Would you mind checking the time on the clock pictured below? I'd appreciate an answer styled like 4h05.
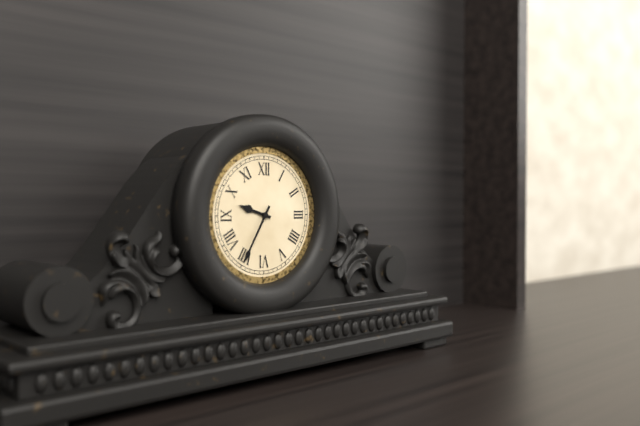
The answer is 9h35
